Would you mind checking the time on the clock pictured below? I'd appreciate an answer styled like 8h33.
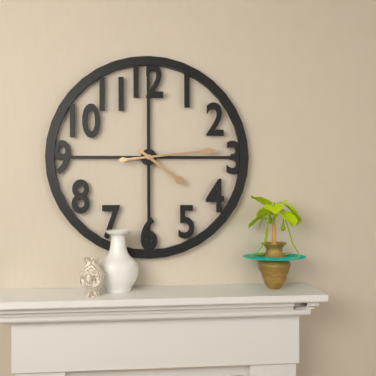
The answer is 4h14
